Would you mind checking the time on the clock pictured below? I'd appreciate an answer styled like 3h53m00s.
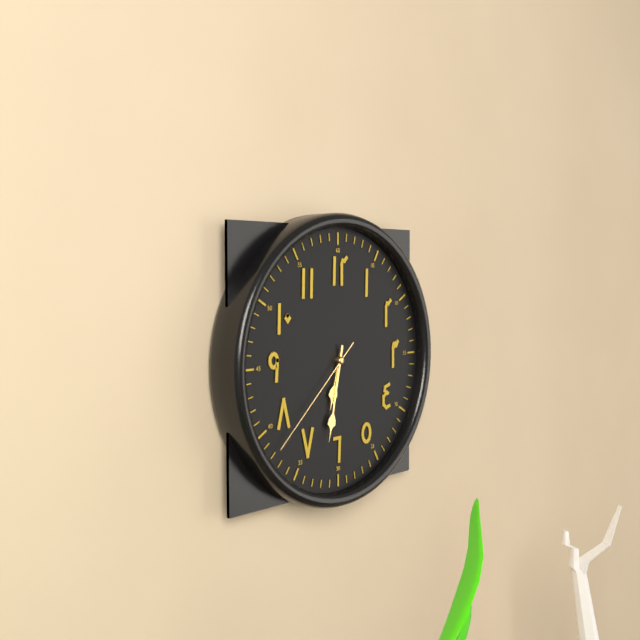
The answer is 6h32m38s
